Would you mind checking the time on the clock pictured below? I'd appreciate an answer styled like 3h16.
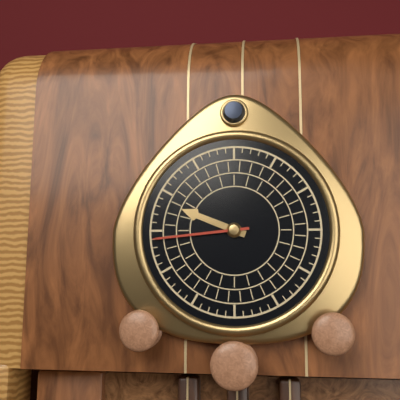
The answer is 9h44
